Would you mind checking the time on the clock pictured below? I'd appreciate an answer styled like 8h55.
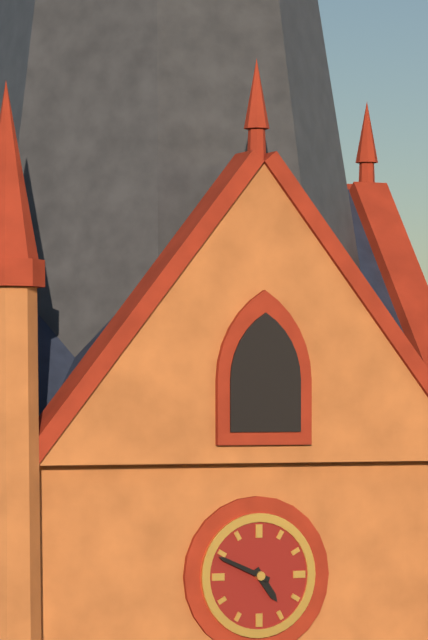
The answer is 4h49
